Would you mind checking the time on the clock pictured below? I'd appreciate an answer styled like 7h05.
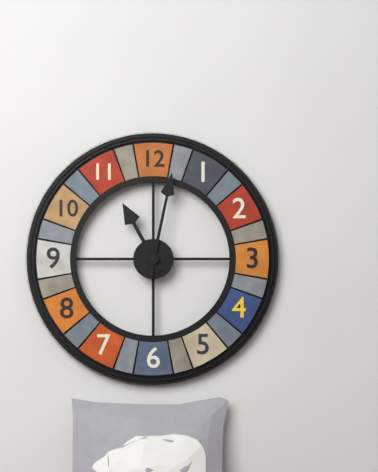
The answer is 11h02
